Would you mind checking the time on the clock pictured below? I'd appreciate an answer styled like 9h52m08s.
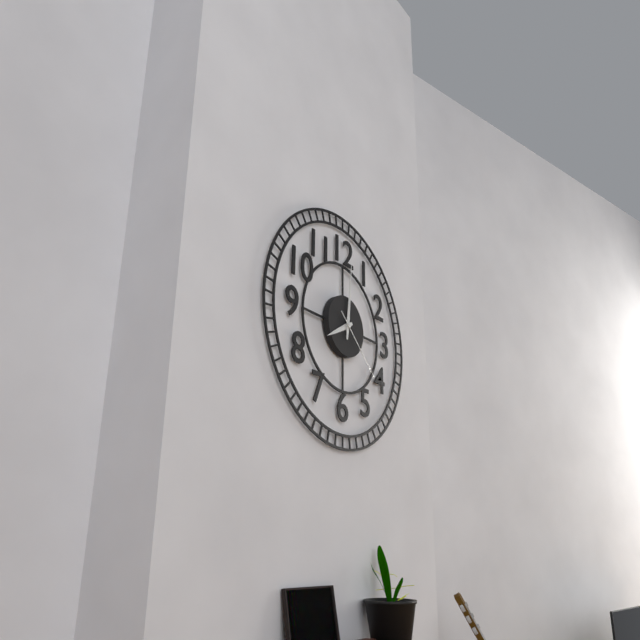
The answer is 8h01m22s
